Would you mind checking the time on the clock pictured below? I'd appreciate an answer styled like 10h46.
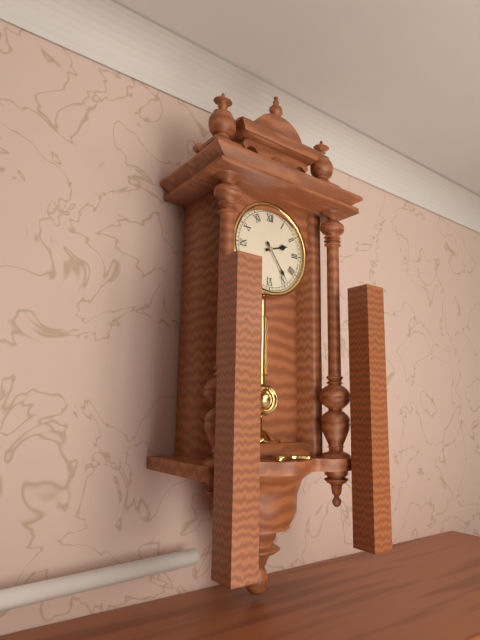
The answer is 2h24
